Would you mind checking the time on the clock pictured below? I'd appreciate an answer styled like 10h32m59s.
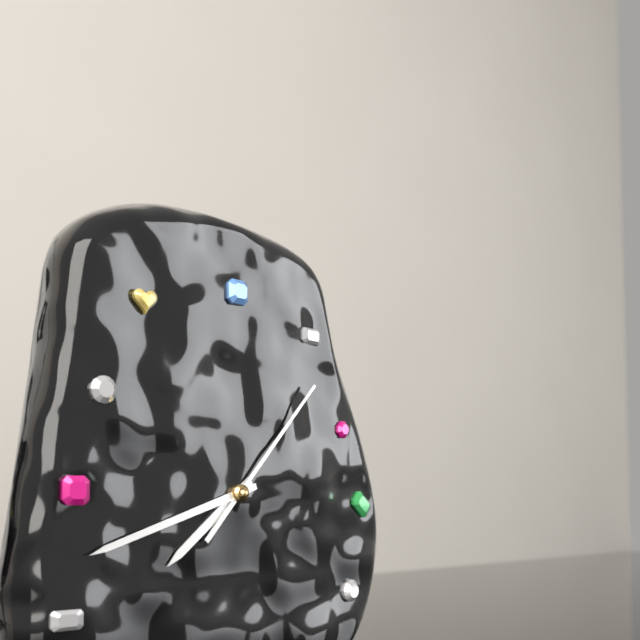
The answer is 7h42m07s
